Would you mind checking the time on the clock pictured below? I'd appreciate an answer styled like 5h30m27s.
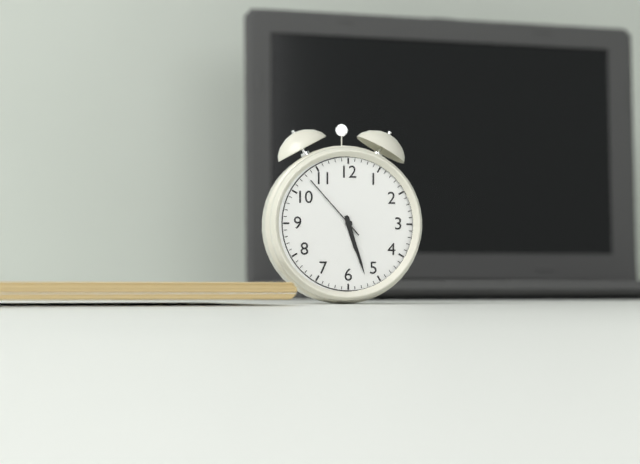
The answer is 5h27m53s
